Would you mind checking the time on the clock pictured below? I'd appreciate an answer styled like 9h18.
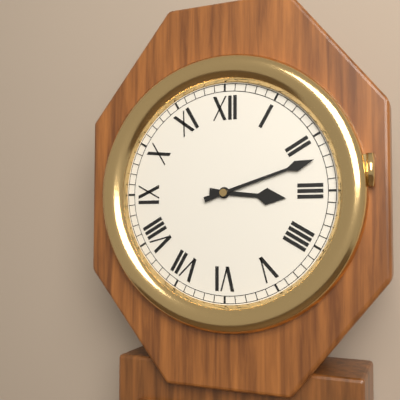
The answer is 3h12
